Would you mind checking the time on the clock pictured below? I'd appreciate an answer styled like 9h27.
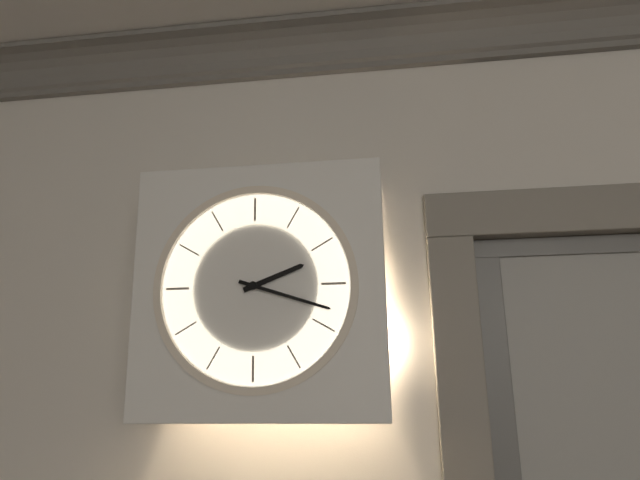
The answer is 2h18
